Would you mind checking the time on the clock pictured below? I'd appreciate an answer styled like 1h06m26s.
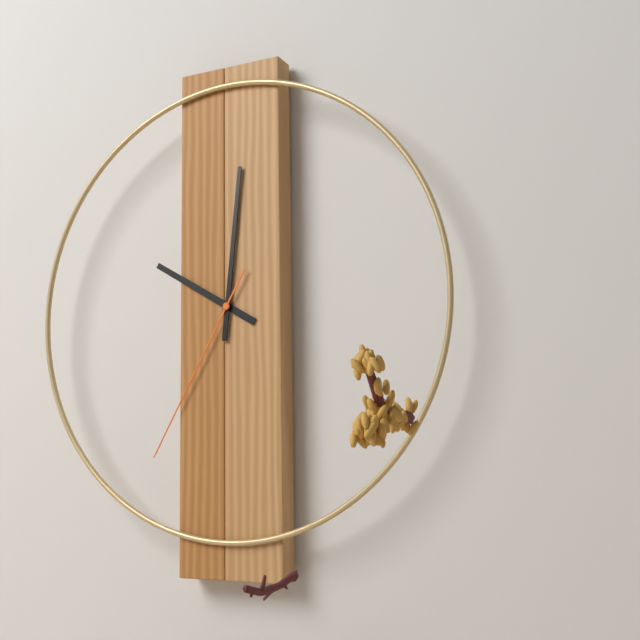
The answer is 10h01m35s
